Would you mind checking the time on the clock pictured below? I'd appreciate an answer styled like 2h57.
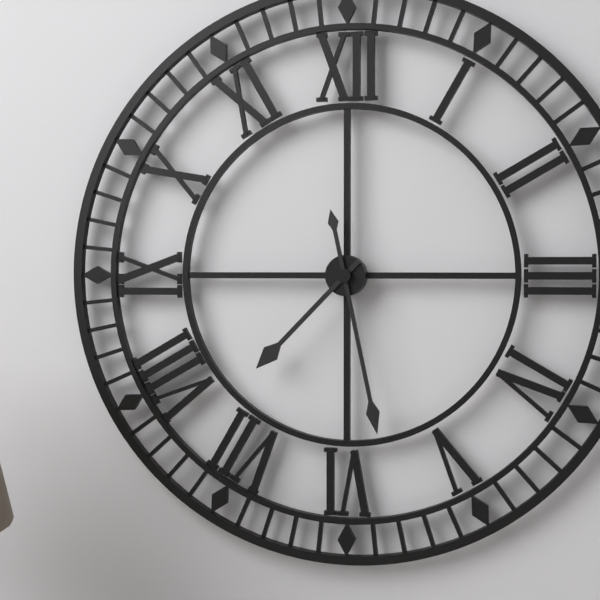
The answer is 7h28
